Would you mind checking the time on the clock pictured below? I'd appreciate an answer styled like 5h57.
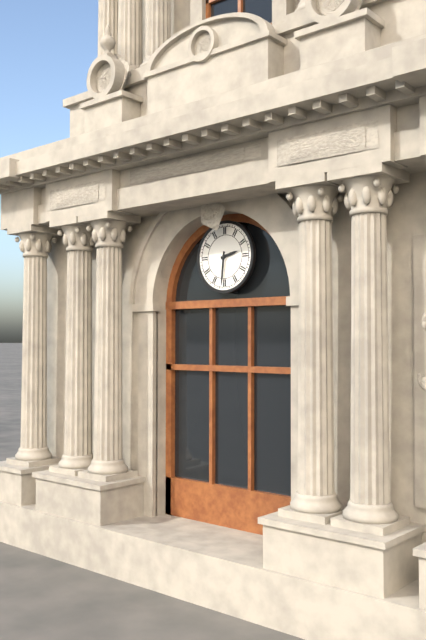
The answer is 2h31
